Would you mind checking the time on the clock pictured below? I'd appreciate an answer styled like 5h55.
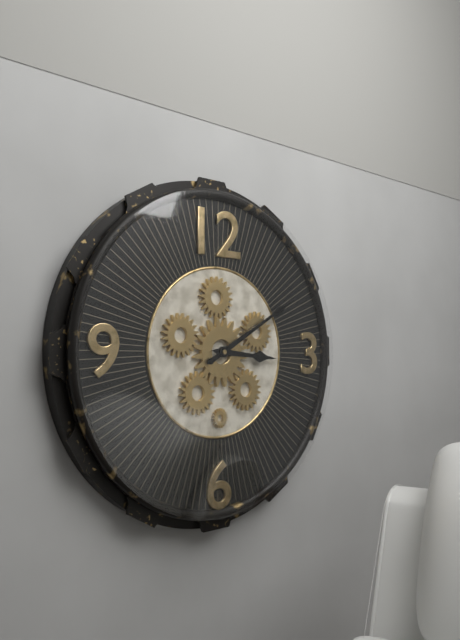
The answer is 3h10
